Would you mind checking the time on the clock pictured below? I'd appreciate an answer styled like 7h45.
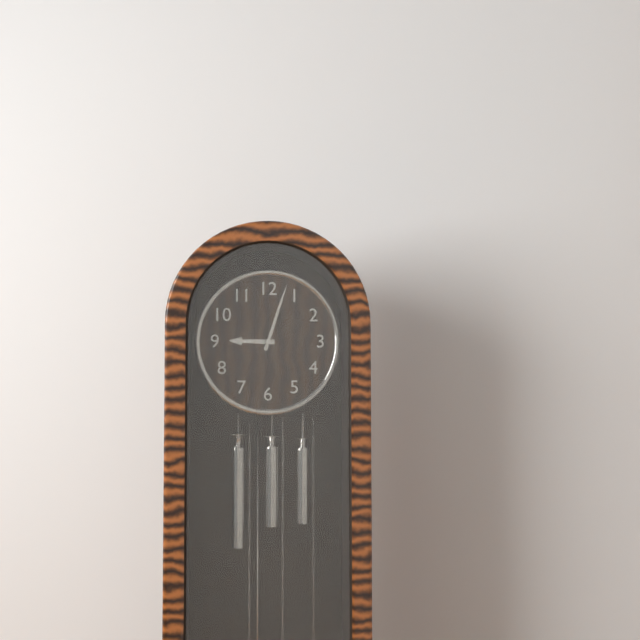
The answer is 9h03
